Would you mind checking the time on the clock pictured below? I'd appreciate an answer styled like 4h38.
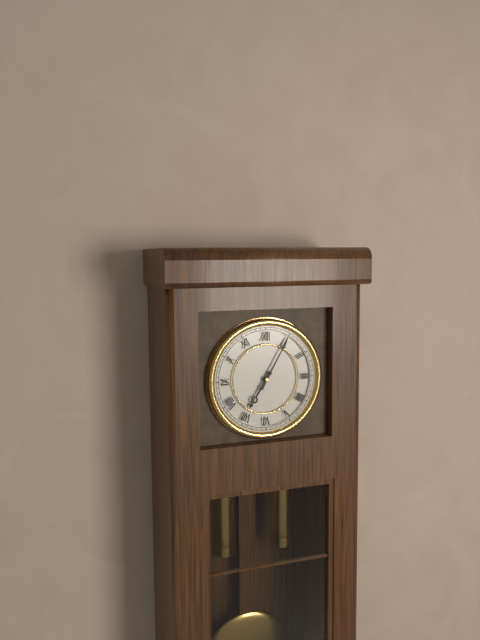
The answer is 7h05
